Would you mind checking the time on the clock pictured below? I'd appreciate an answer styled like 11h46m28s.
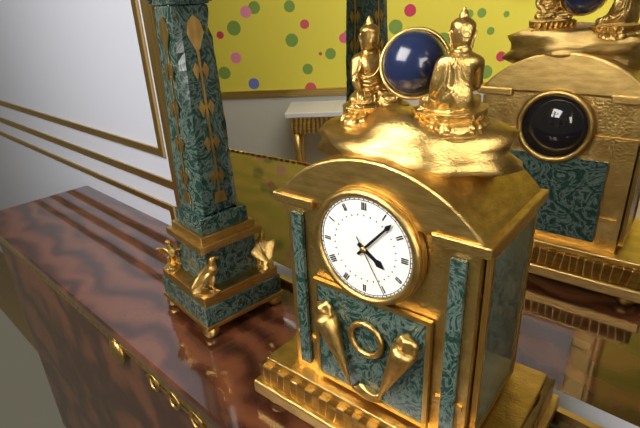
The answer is 4h07m25s
